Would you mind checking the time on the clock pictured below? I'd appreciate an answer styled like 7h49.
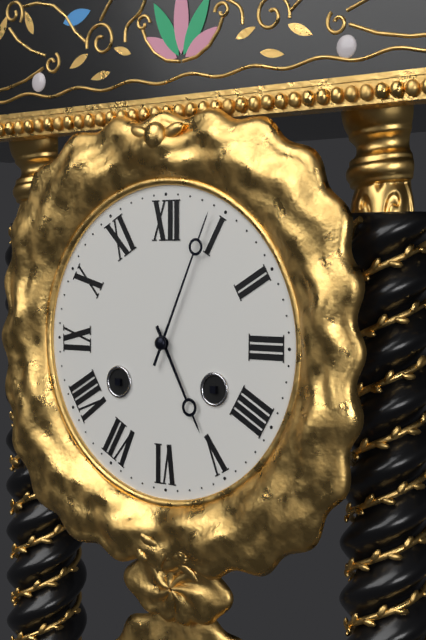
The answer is 5h04
